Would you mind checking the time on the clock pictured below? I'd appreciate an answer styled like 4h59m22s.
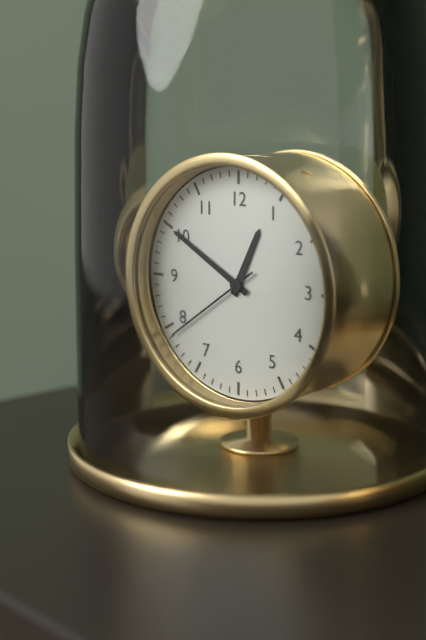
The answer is 12h50m39s
